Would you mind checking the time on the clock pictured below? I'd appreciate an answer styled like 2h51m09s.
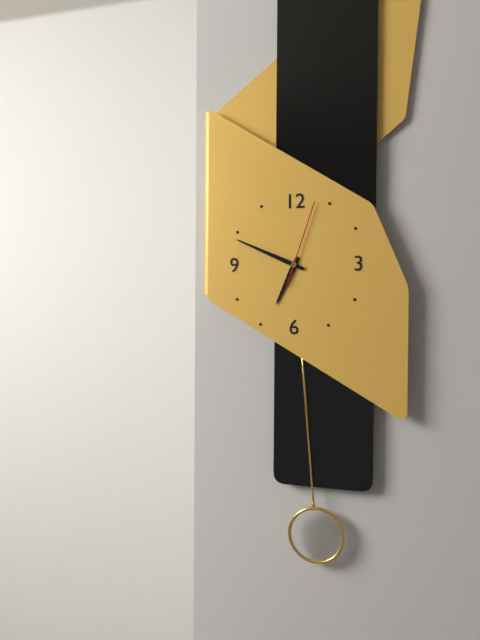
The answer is 6h49m03s
